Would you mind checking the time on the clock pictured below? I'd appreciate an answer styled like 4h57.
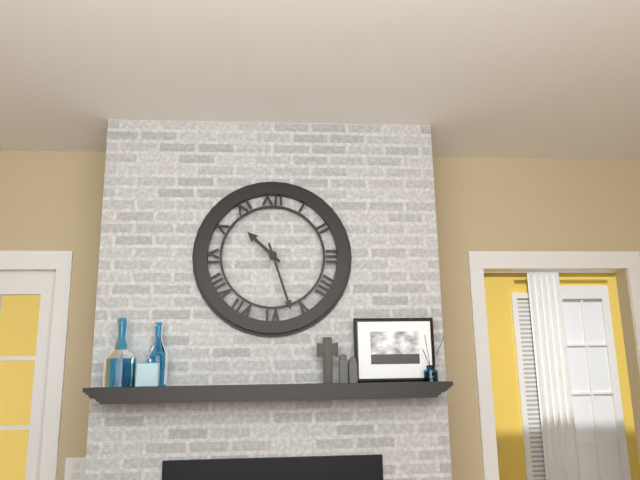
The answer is 10h27
